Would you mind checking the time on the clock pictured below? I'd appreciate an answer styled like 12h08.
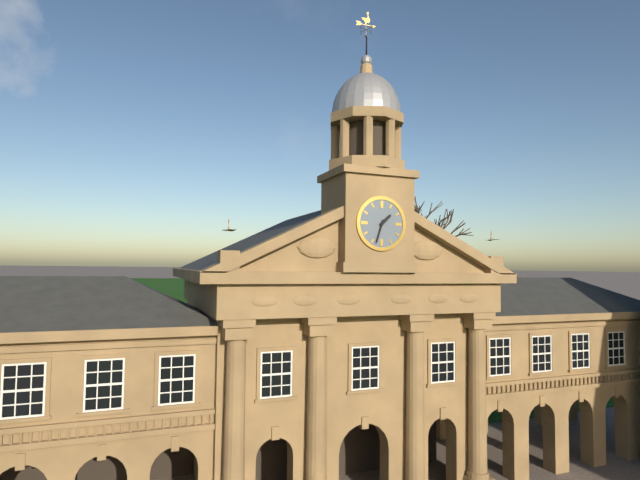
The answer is 1h33
